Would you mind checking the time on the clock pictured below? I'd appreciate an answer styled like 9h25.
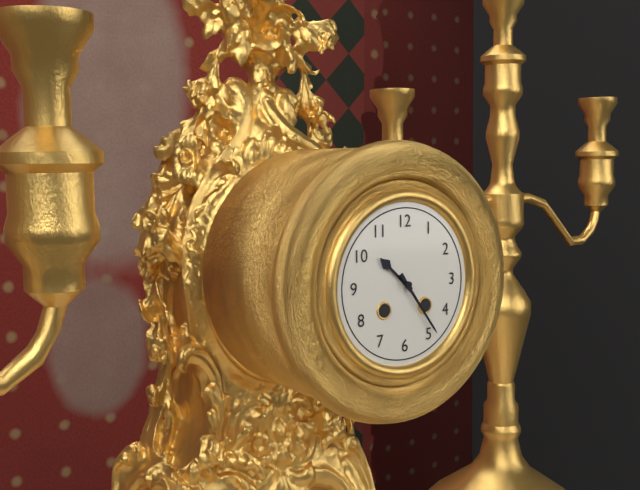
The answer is 10h24
